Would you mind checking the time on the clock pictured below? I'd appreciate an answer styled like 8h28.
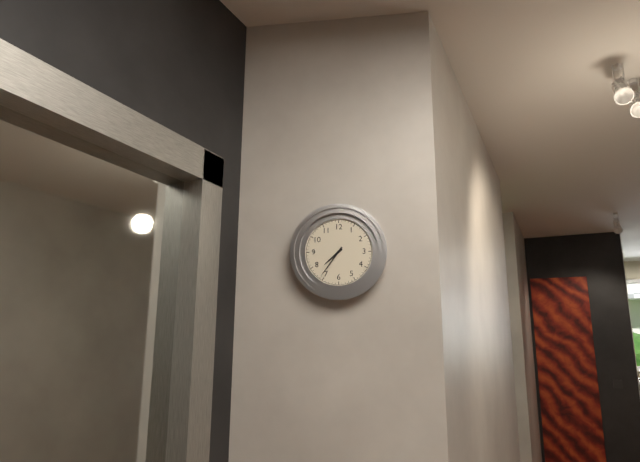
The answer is 7h36
